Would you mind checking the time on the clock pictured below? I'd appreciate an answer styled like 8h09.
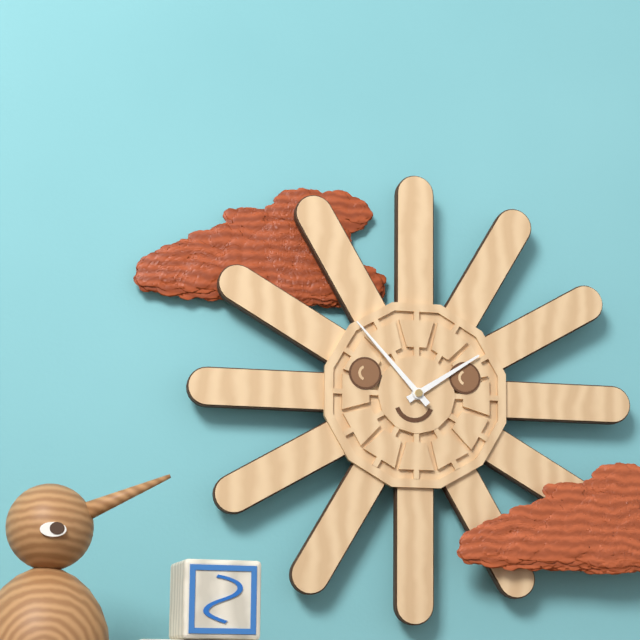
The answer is 1h53
